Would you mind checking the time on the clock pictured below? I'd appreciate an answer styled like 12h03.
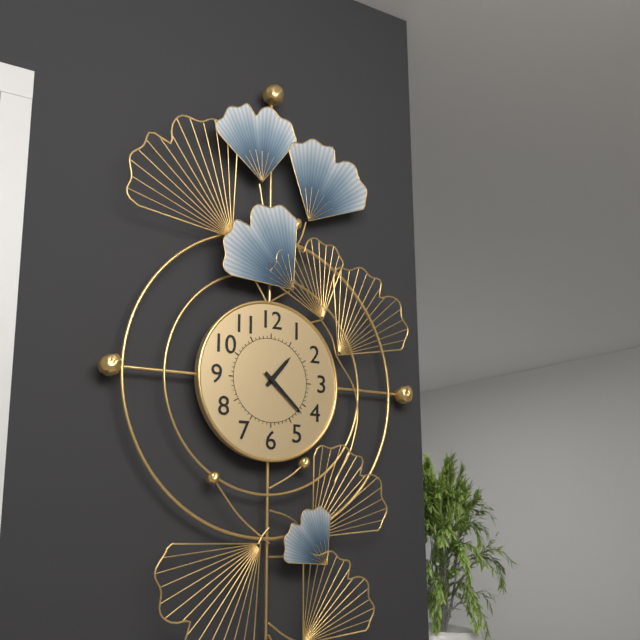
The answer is 1h22
